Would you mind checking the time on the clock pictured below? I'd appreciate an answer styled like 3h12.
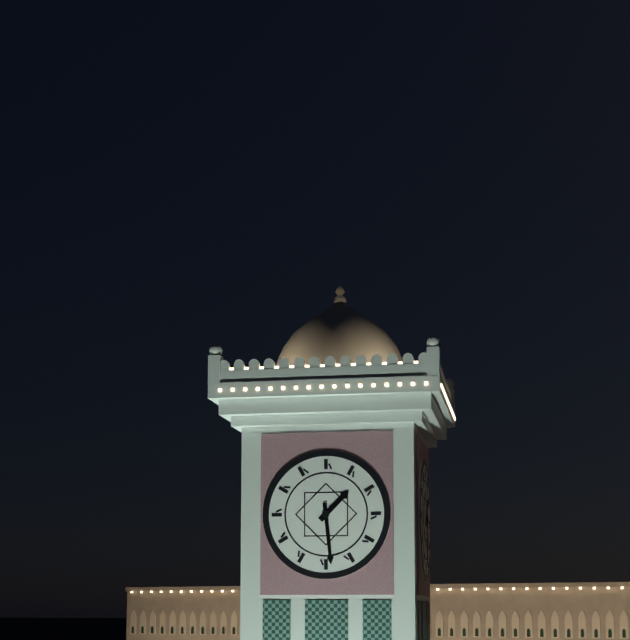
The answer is 1h29
